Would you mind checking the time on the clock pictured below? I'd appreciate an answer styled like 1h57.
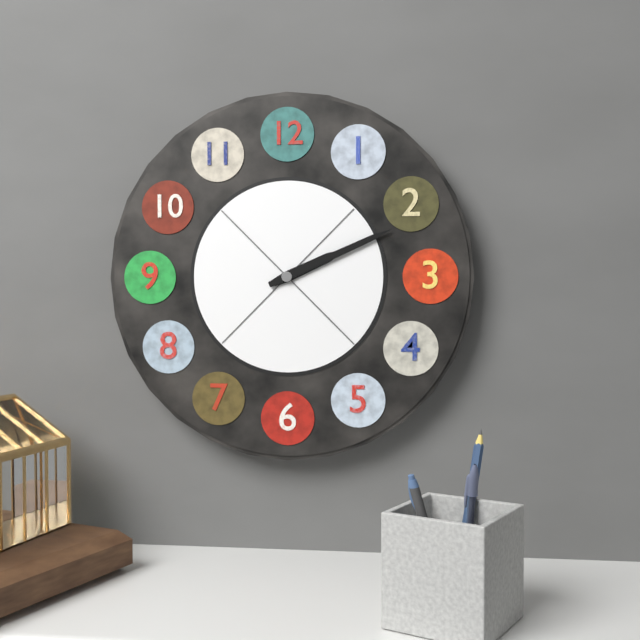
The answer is 2h11
